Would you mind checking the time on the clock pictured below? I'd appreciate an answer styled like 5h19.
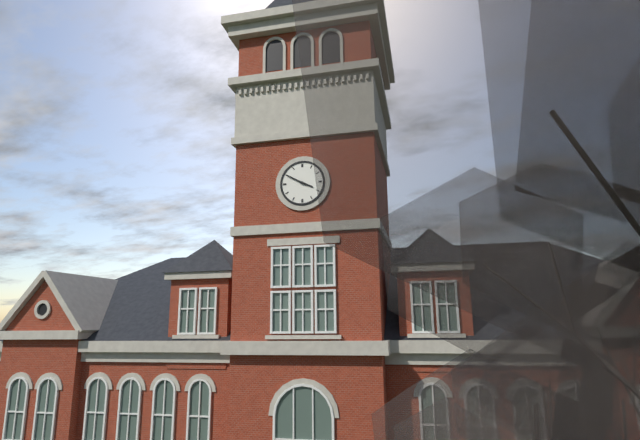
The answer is 3h50
